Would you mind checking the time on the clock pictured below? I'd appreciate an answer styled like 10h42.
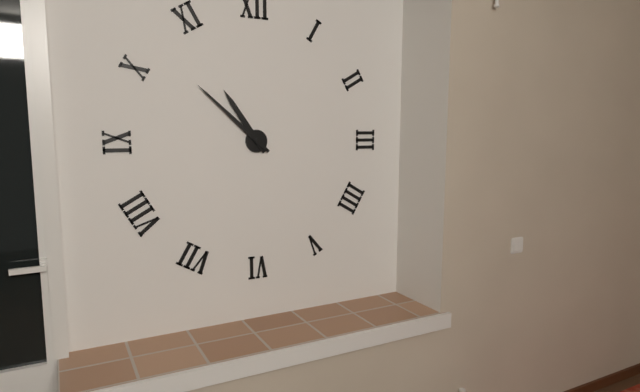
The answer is 10h52
